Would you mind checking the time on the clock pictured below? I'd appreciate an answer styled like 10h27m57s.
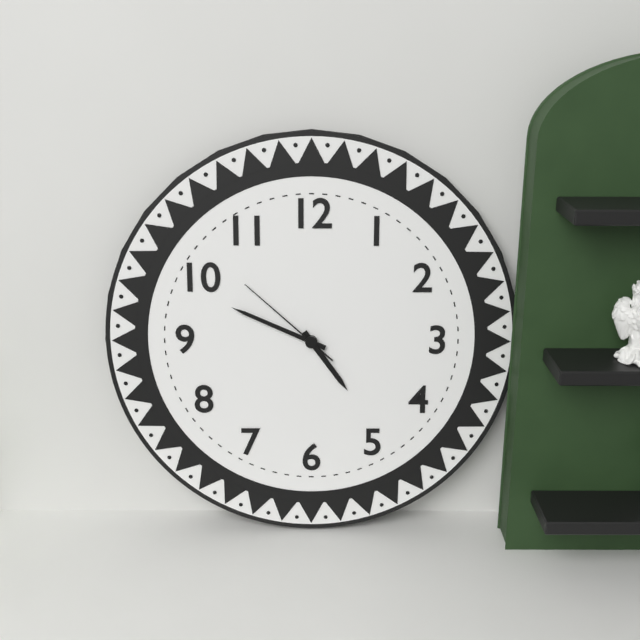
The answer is 4h49m52s
